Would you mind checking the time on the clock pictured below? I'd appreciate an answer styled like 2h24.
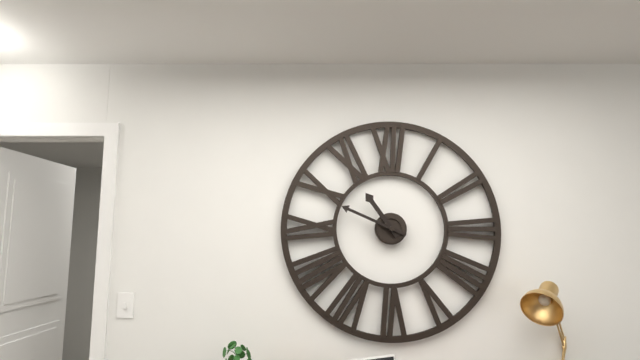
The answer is 10h49
